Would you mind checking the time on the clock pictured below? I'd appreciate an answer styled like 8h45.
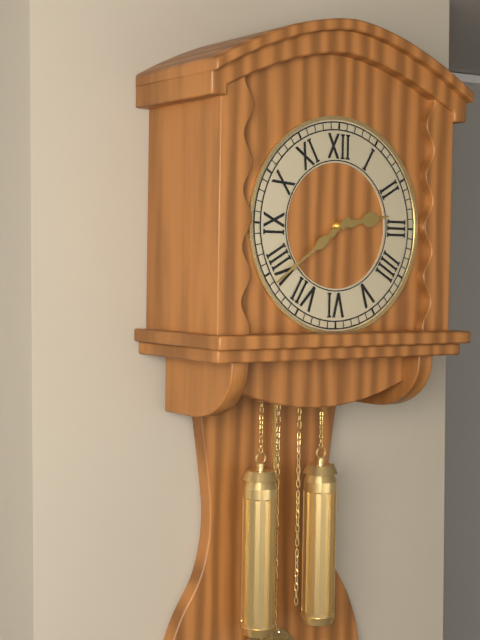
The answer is 2h39
